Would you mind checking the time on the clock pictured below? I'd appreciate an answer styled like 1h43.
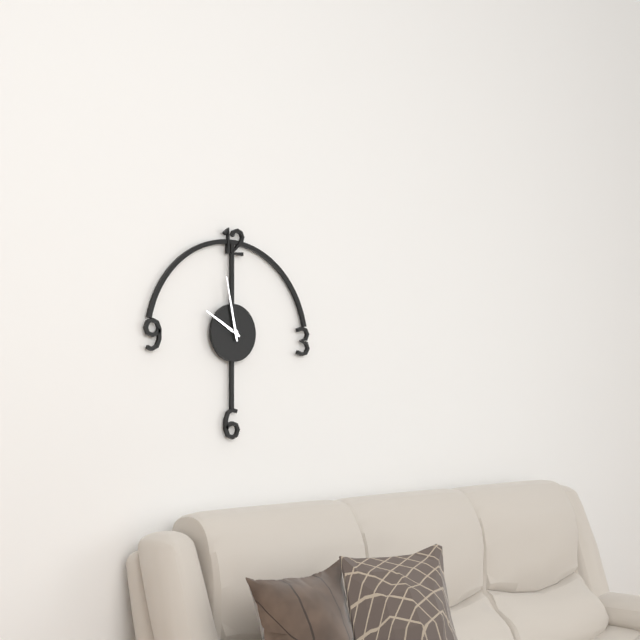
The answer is 9h58
